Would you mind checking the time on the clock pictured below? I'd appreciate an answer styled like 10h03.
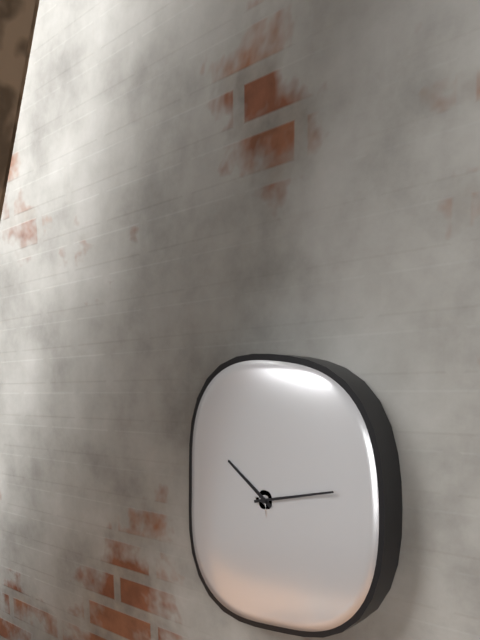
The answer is 10h13
